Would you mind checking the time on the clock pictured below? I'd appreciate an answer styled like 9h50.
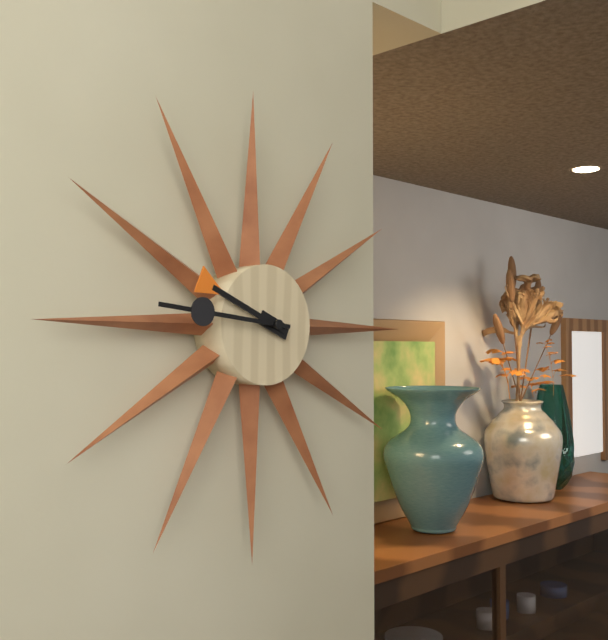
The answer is 9h46
